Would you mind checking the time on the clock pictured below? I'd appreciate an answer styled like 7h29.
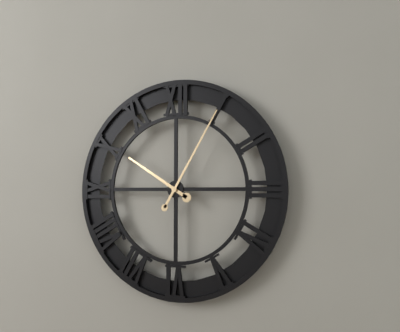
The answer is 10h05
